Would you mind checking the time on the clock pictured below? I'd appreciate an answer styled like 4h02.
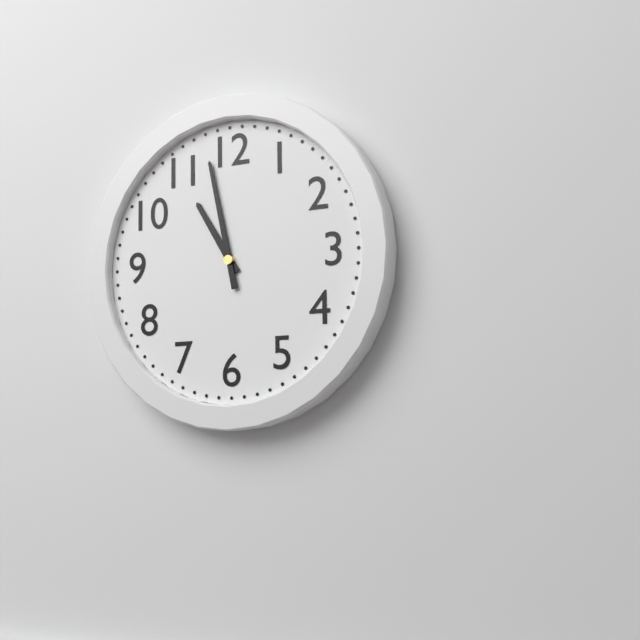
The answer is 10h58
